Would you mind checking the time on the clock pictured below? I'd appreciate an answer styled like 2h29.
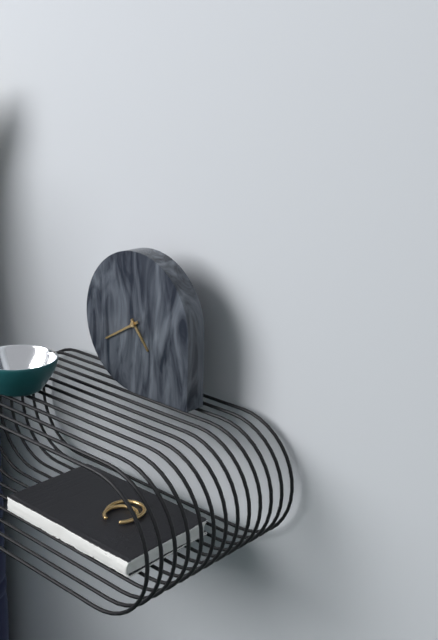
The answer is 4h40
